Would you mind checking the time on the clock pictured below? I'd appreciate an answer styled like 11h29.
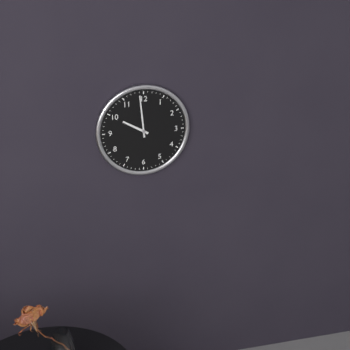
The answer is 9h59
